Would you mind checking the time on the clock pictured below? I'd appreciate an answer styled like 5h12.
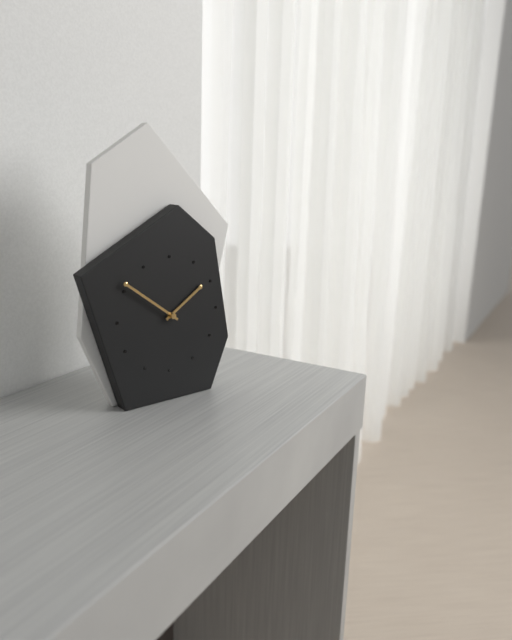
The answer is 1h51
